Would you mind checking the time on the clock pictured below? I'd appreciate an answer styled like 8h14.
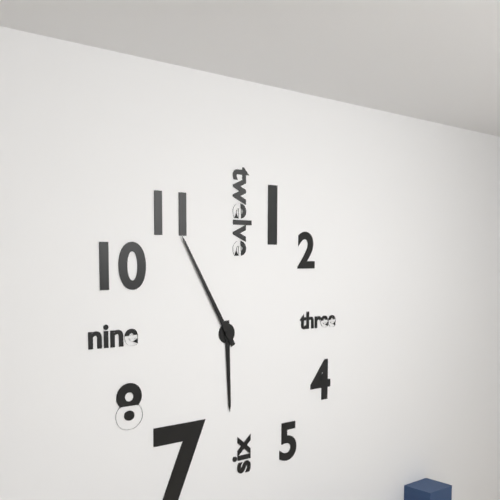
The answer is 5h55
